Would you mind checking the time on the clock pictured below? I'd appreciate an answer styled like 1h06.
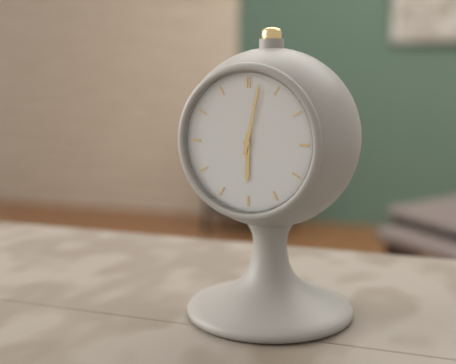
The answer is 6h02
